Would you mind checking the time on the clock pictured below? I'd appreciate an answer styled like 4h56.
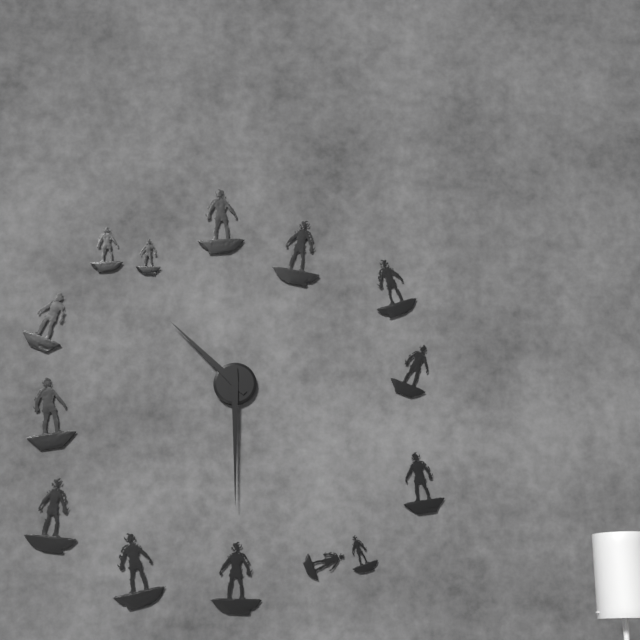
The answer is 10h30
